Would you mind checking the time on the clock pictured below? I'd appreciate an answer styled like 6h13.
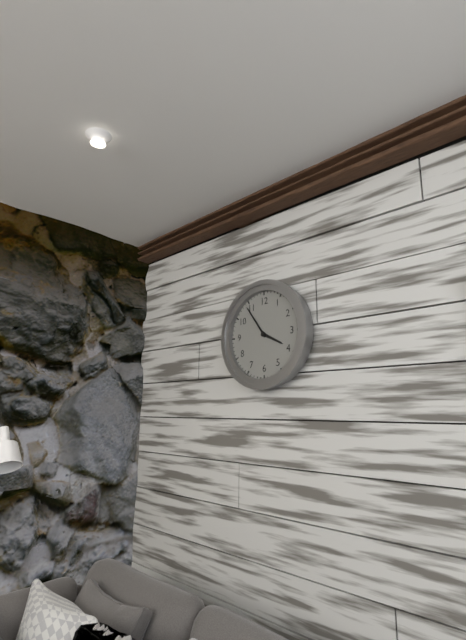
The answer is 3h54
